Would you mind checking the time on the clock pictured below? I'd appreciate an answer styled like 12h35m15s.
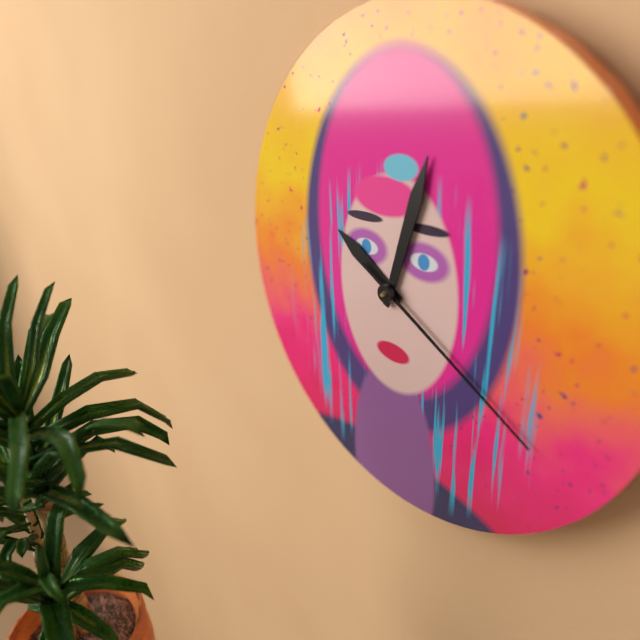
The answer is 10h03m20s
